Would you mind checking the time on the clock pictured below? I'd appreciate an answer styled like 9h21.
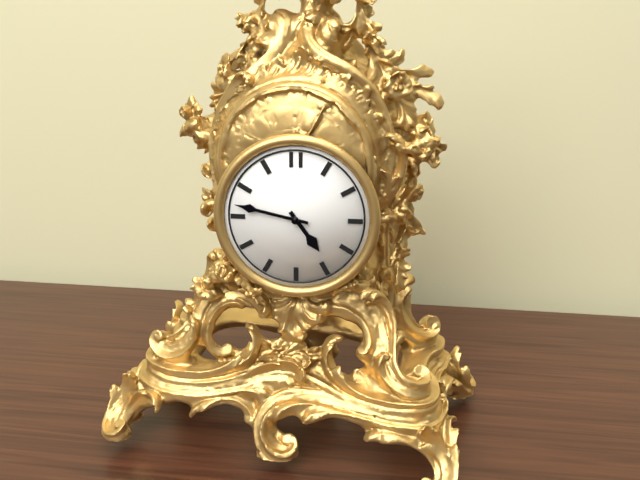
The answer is 4h47
